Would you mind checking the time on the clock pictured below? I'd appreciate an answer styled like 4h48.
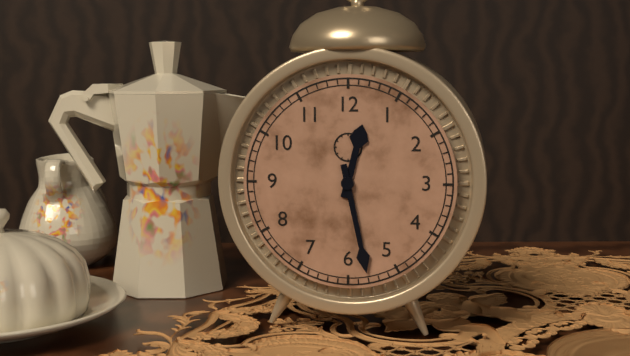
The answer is 12h28
